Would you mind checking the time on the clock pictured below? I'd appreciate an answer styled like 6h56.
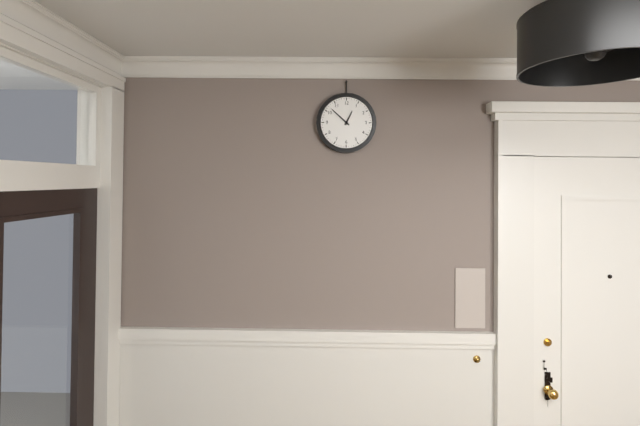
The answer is 12h52
